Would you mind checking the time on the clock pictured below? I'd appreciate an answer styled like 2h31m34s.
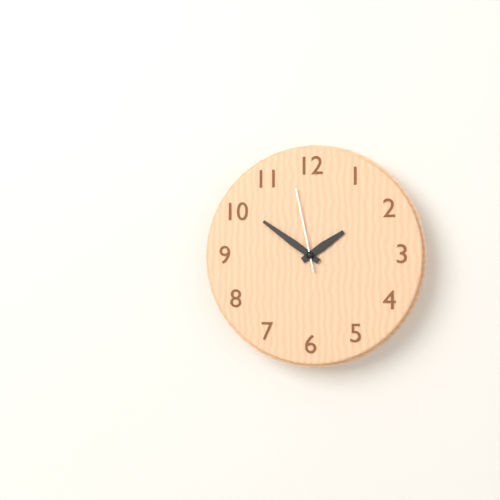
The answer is 1h51m58s
